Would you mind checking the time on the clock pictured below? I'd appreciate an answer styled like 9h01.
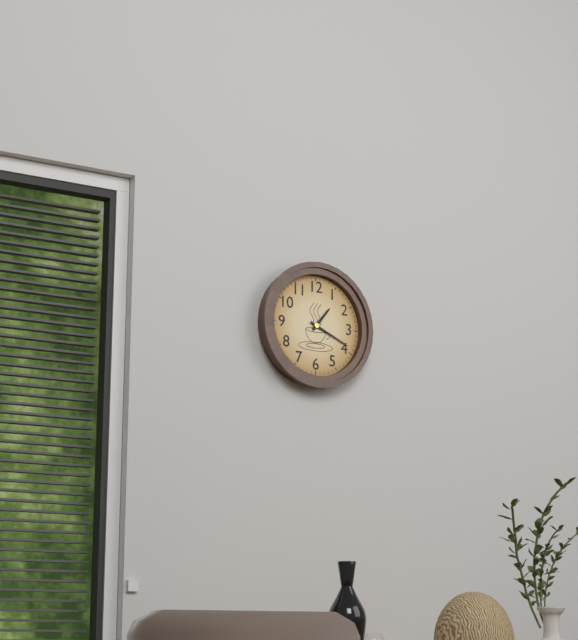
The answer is 1h19
